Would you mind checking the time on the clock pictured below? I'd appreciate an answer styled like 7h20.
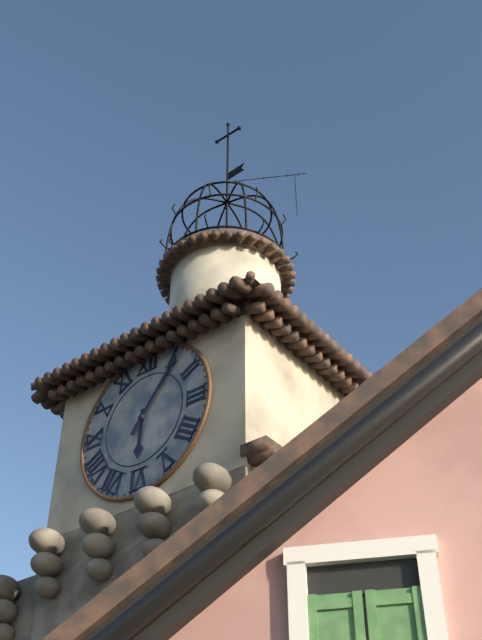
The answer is 6h06
